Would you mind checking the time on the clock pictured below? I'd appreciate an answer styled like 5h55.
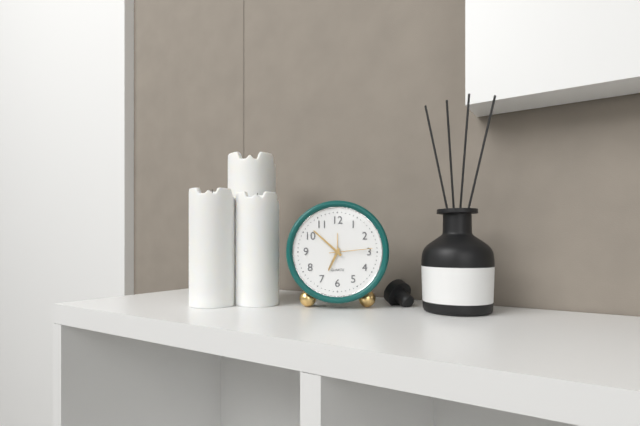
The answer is 6h52
